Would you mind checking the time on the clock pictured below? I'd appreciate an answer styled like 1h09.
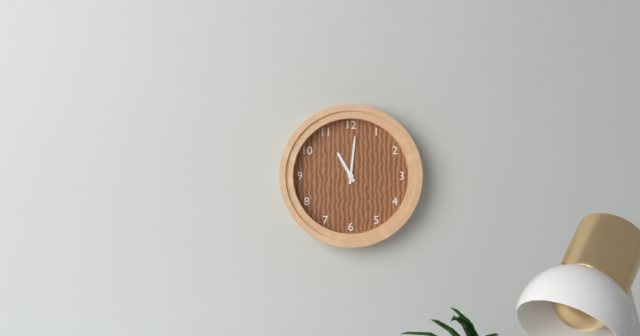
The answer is 11h01
